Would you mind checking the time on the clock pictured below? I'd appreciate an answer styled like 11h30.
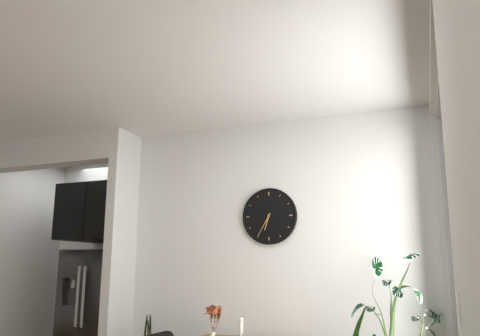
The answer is 6h35
